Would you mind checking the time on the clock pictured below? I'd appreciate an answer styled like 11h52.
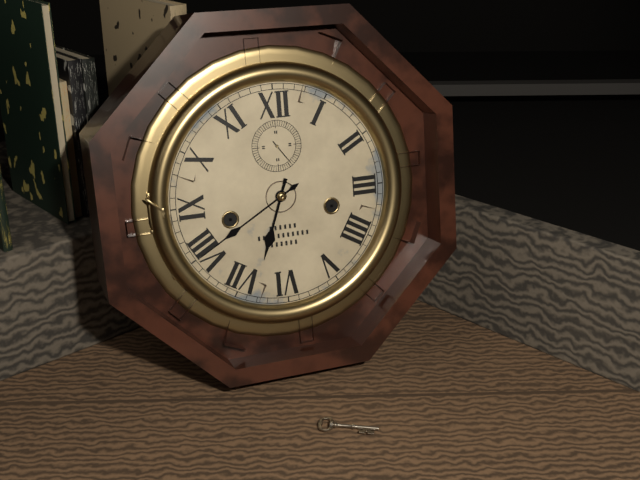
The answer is 6h40
